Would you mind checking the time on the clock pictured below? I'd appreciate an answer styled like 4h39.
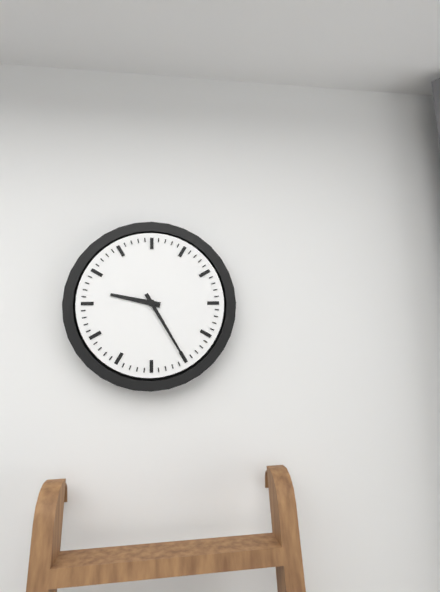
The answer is 9h25
